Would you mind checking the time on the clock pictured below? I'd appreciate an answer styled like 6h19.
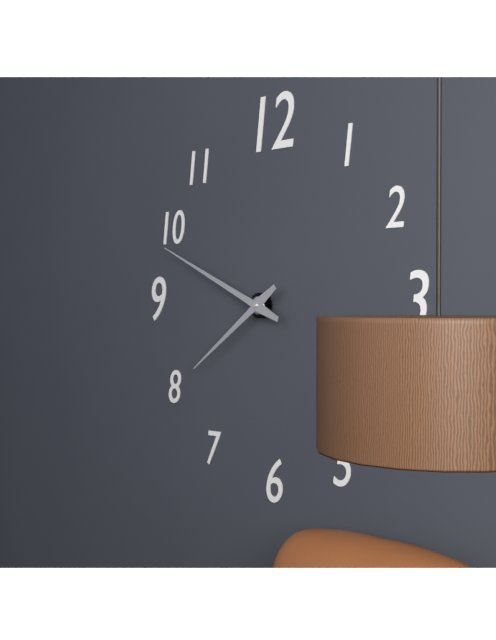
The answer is 7h49
